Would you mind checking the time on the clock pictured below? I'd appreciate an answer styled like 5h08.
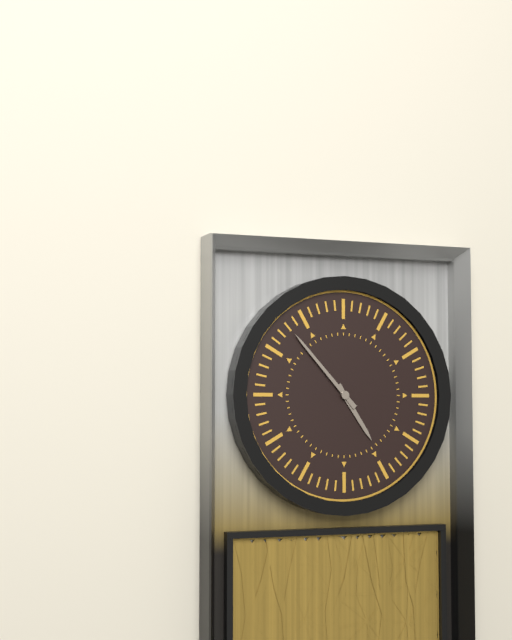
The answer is 4h53
